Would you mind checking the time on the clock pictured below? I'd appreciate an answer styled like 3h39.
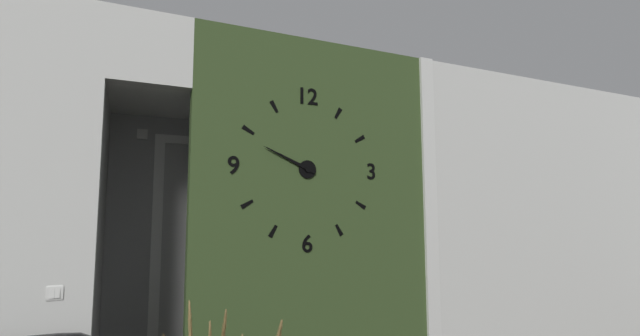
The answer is 9h49
